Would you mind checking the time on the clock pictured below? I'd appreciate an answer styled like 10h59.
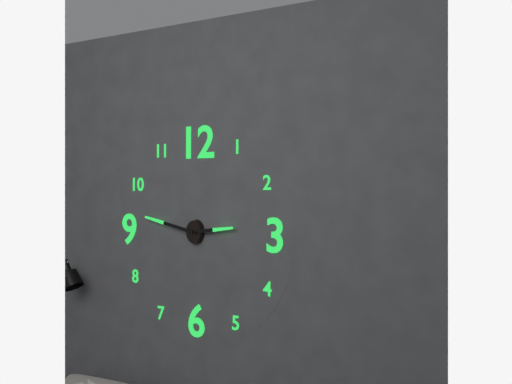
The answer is 2h47
